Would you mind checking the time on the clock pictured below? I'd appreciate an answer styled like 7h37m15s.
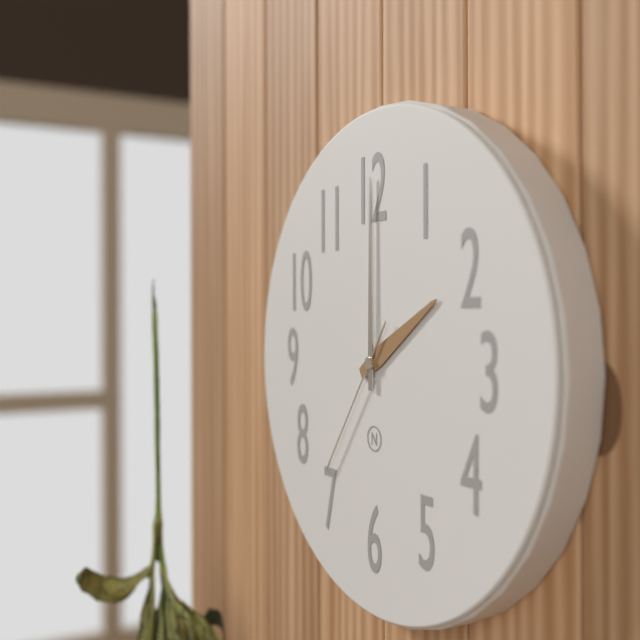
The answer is 2h00m36s
